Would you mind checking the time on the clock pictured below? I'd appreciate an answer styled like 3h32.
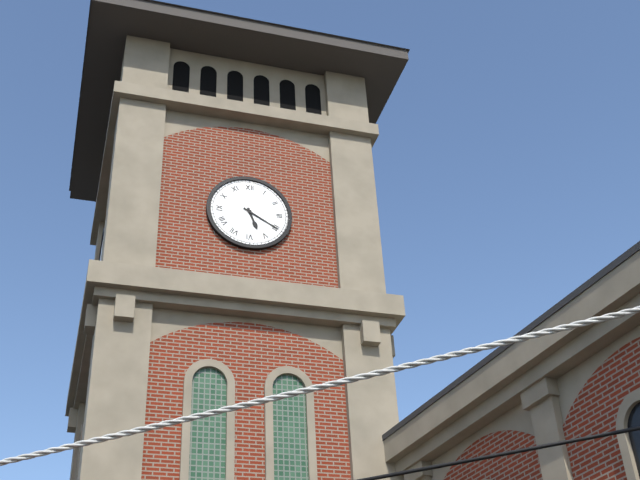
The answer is 5h20
